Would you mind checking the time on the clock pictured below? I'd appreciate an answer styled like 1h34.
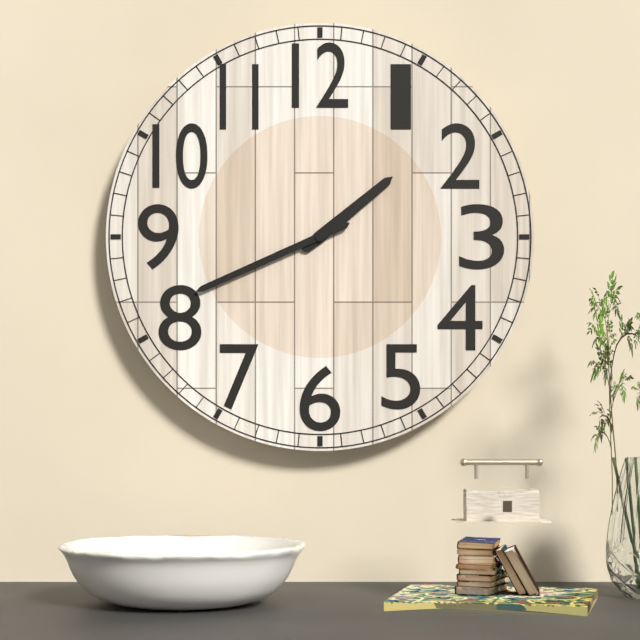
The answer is 1h41
